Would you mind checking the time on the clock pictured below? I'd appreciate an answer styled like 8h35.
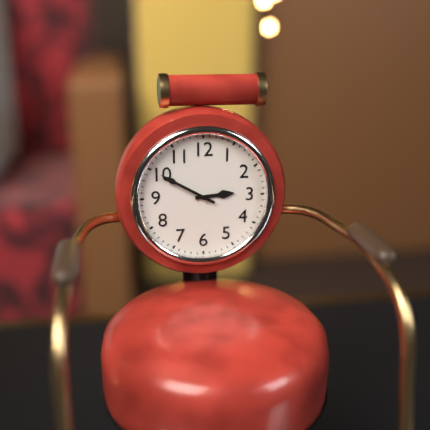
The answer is 2h50
